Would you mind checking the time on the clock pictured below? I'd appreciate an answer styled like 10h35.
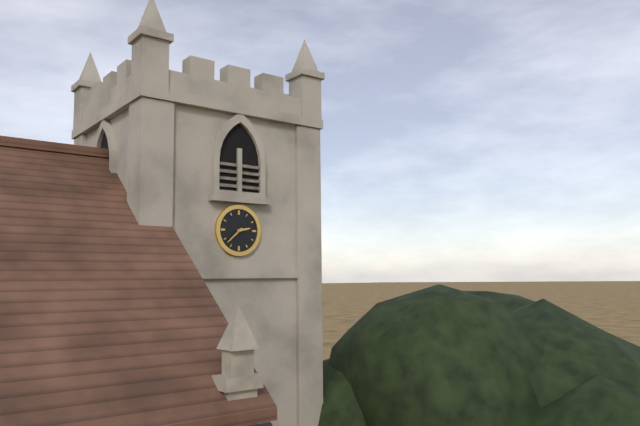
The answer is 2h38
